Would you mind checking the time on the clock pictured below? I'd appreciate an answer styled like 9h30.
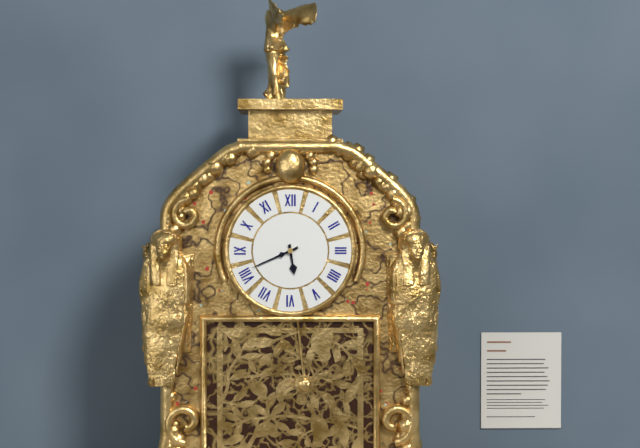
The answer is 5h41
